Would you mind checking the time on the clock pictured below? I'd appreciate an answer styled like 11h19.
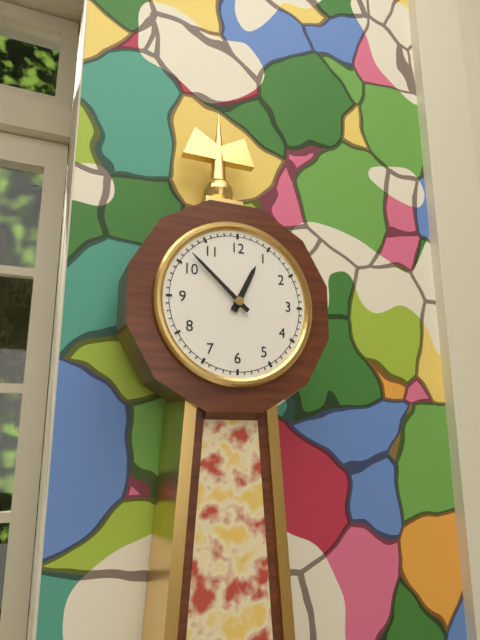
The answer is 12h52
